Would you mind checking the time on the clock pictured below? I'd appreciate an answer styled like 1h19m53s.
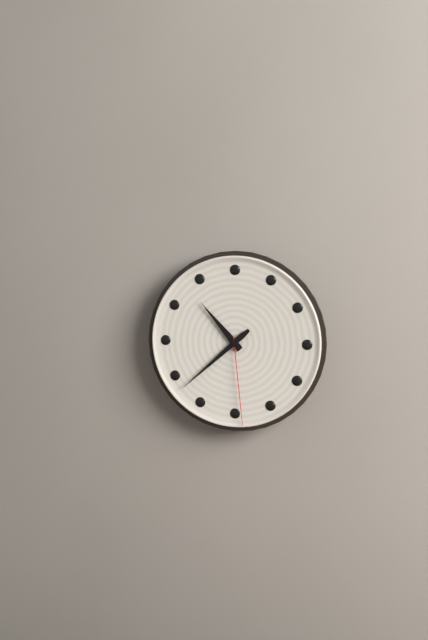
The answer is 10h38m29s
